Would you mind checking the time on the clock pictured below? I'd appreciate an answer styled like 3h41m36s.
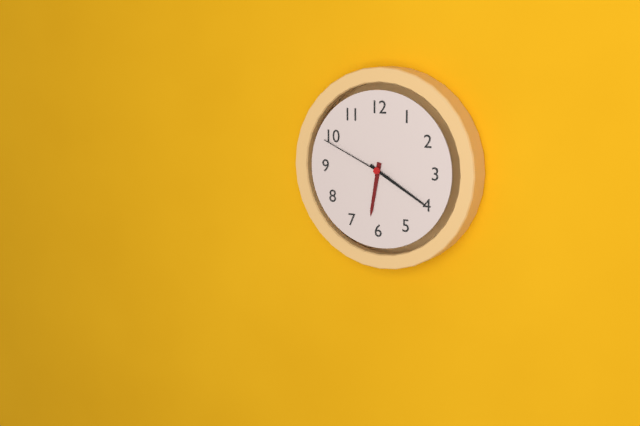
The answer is 6h20m49s
